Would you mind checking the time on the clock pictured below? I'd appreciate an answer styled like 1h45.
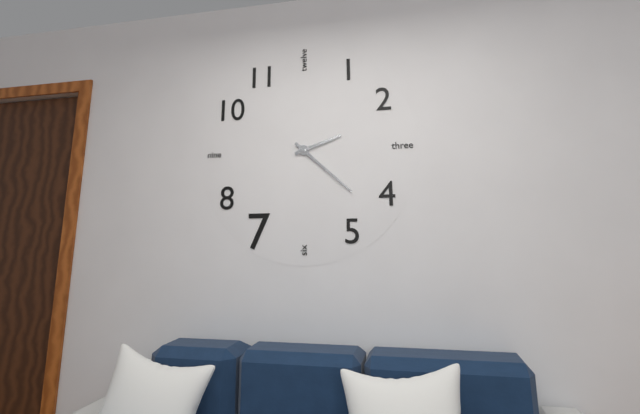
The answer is 2h22
